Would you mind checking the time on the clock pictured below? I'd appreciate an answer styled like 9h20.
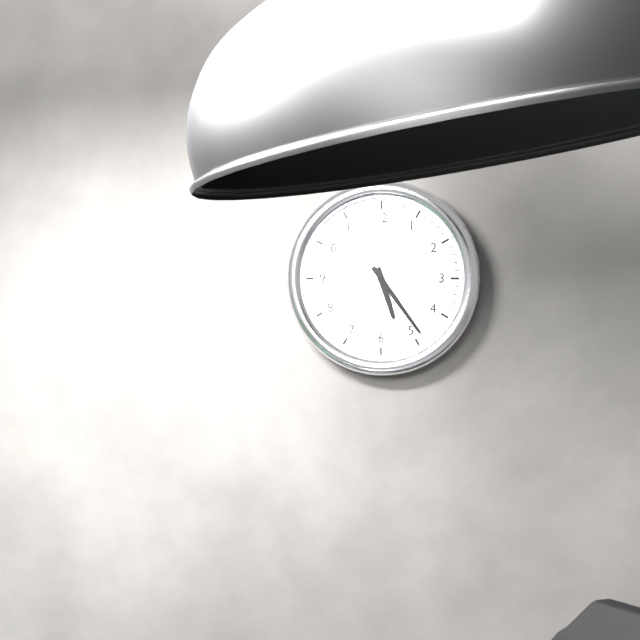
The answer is 5h24
